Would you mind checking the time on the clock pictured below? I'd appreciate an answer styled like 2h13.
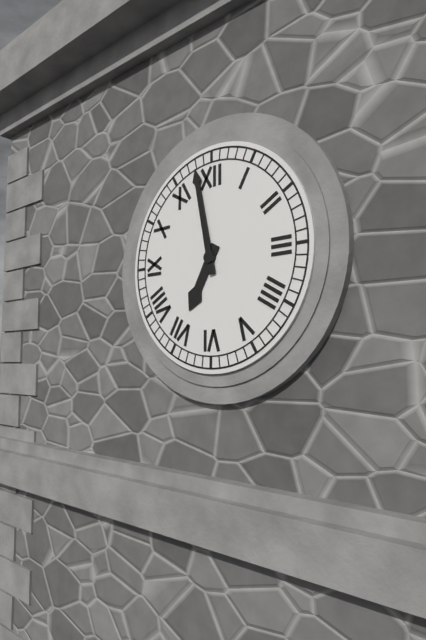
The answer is 6h58
